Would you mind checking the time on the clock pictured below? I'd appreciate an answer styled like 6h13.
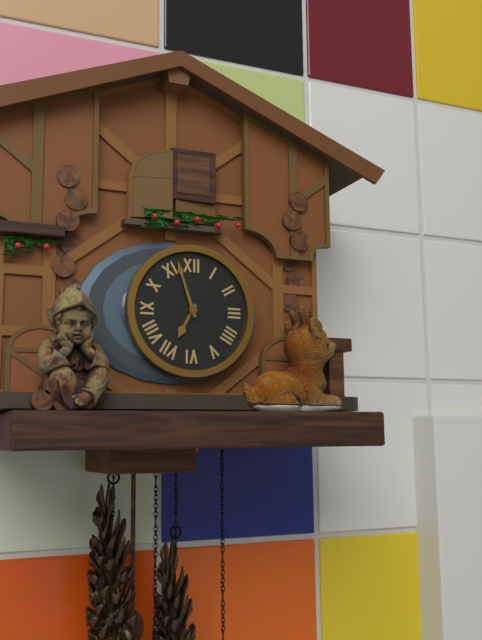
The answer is 6h57
